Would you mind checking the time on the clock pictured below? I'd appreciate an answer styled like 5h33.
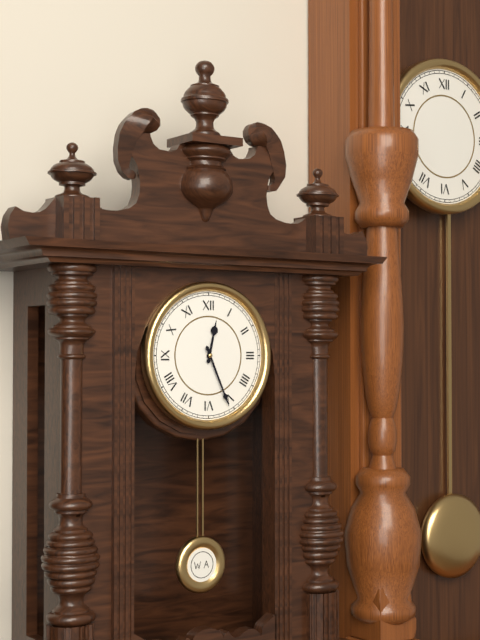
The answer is 12h26
